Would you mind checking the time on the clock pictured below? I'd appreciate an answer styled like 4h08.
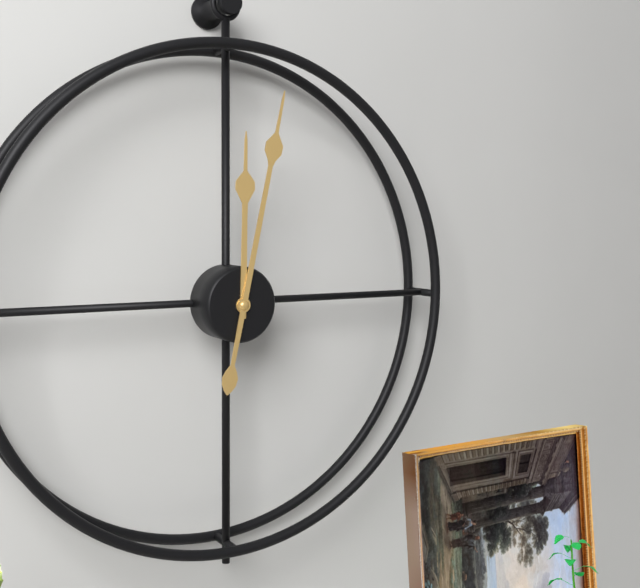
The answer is 12h02
